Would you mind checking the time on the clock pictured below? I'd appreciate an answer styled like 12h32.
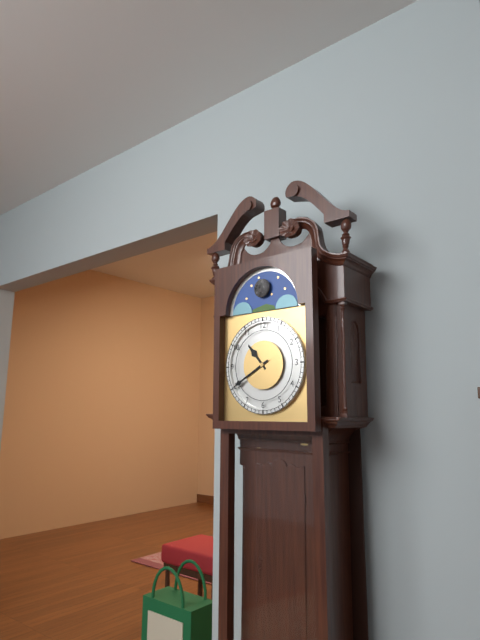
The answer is 10h40
